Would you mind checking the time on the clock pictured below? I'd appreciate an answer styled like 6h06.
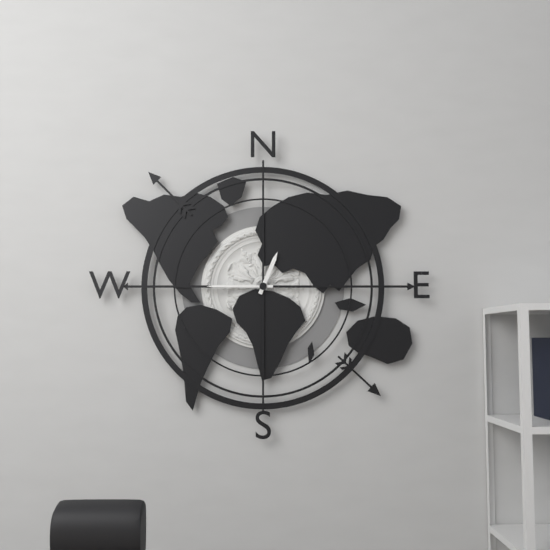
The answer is 12h45
